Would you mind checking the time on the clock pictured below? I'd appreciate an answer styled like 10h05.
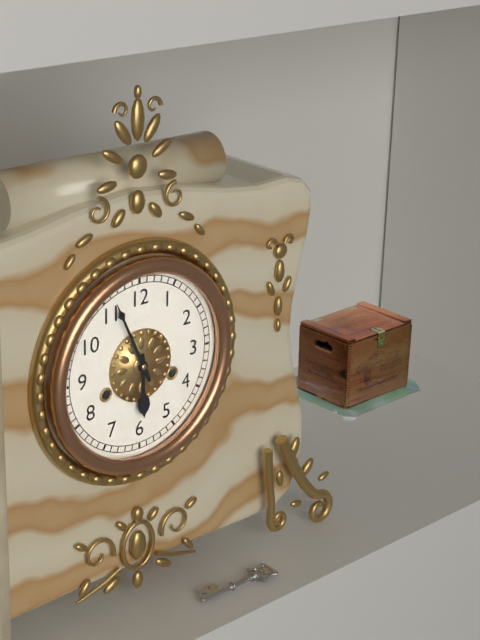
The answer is 5h56
